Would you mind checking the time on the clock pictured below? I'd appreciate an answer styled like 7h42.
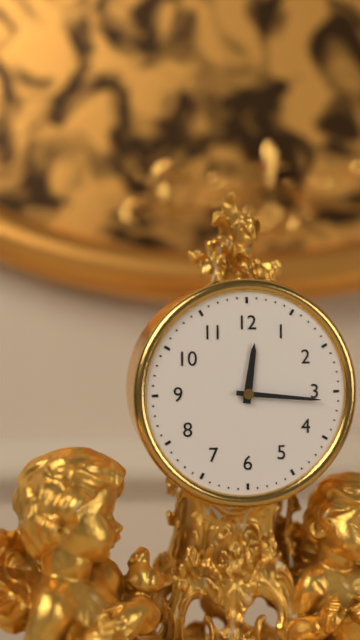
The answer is 12h16
